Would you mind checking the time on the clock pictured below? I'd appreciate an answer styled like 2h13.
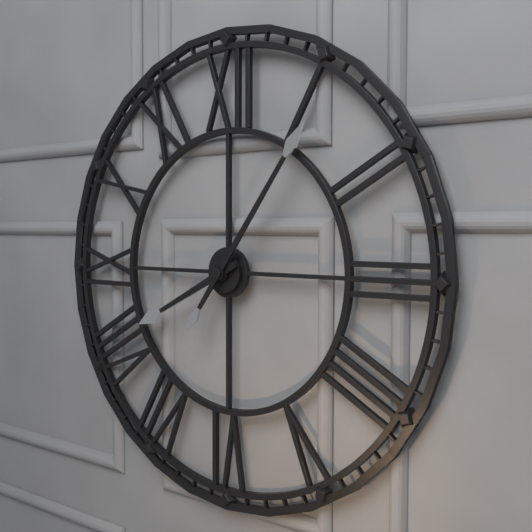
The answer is 8h06
